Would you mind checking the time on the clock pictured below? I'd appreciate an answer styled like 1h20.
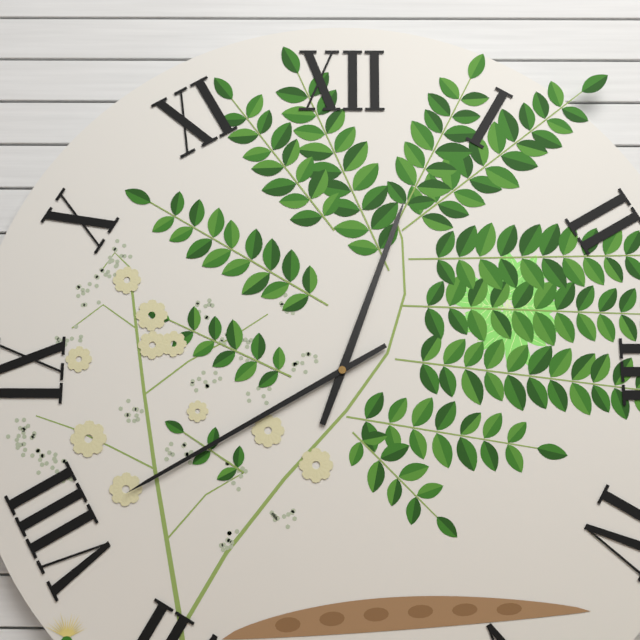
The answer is 12h40
